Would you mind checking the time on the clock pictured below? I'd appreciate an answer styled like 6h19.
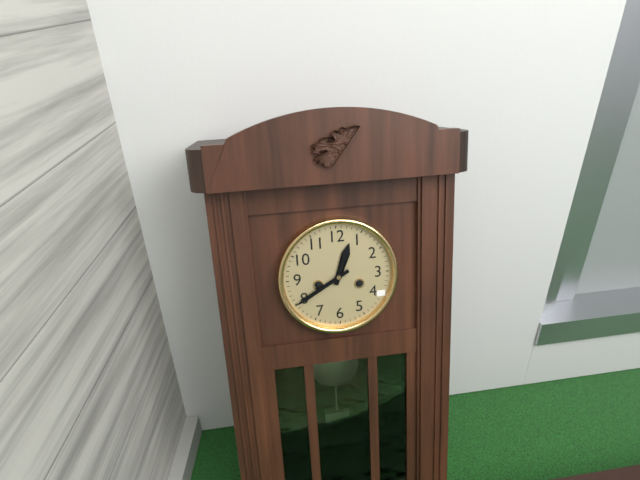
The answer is 12h40
